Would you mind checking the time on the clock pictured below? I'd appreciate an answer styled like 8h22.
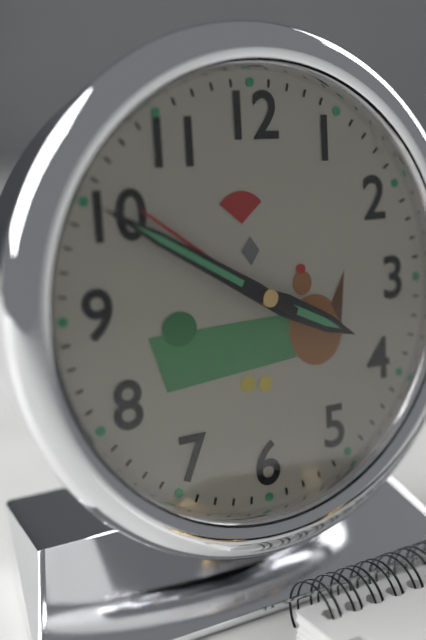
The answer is 3h50
